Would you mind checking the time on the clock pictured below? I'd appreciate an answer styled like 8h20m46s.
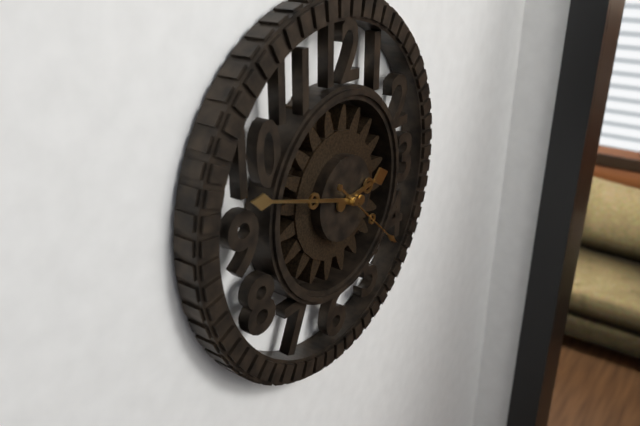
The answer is 2h48m22s
